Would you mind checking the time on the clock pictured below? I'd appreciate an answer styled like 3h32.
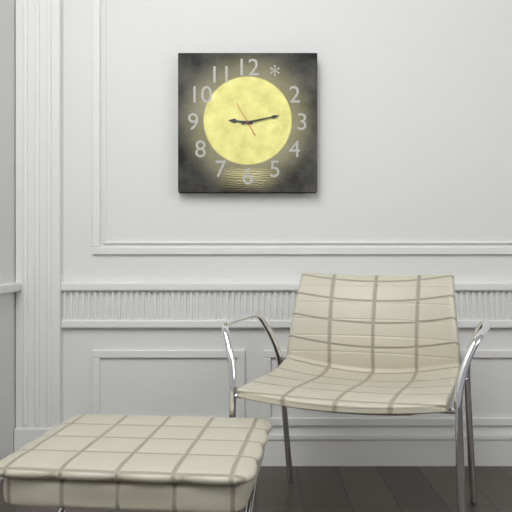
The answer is 9h13
